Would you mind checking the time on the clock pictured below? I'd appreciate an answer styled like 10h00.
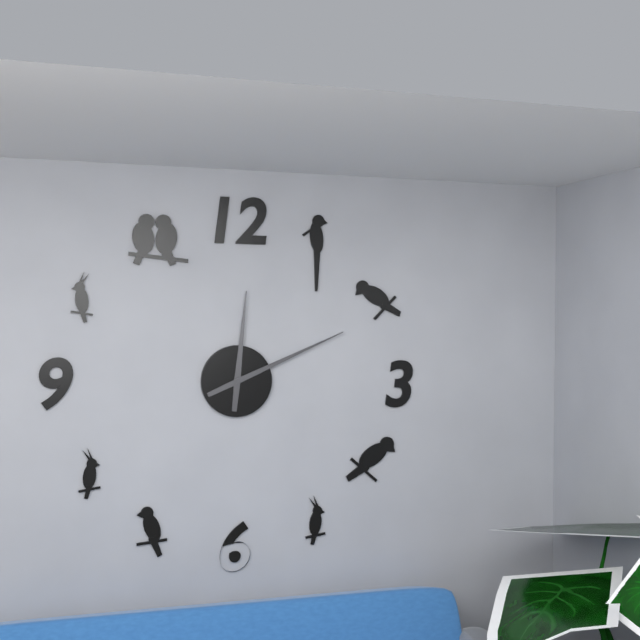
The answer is 12h11
